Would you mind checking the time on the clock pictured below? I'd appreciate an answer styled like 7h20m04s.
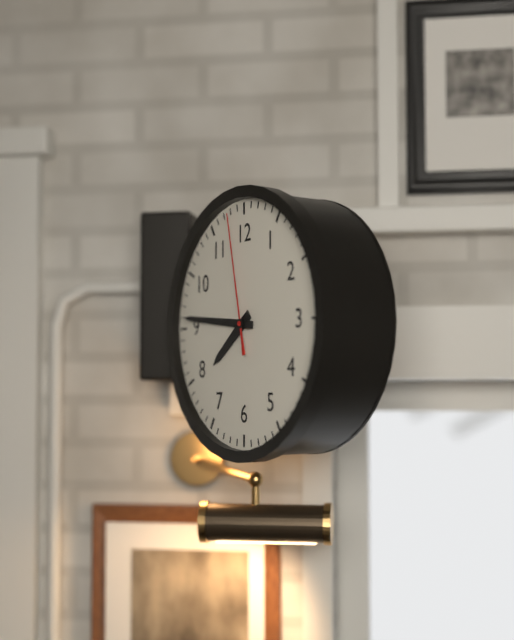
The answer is 7h46m58s
